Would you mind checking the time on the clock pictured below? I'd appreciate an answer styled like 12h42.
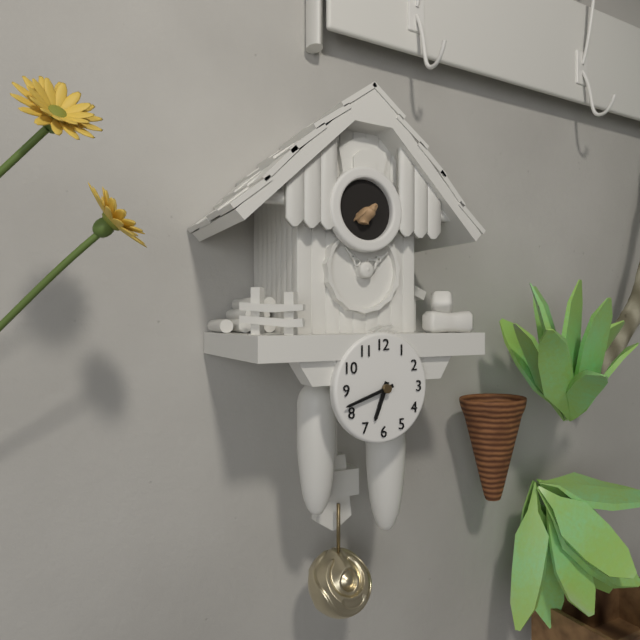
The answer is 6h42
